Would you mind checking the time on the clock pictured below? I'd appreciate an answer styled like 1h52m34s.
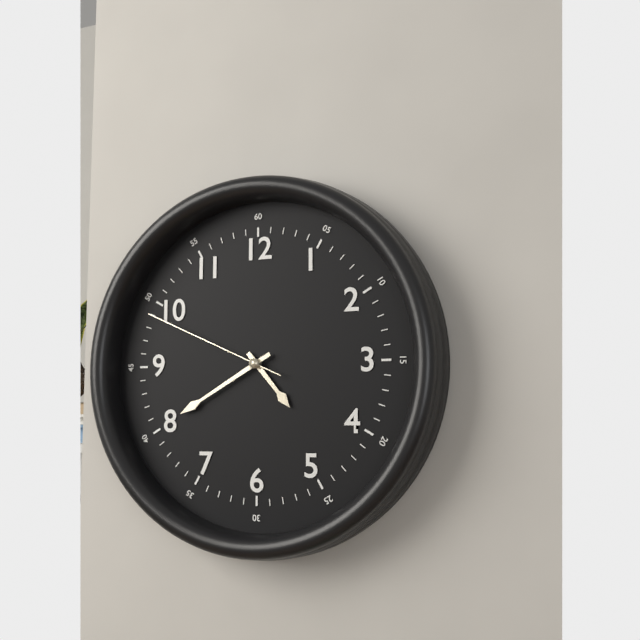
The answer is 4h40m49s
